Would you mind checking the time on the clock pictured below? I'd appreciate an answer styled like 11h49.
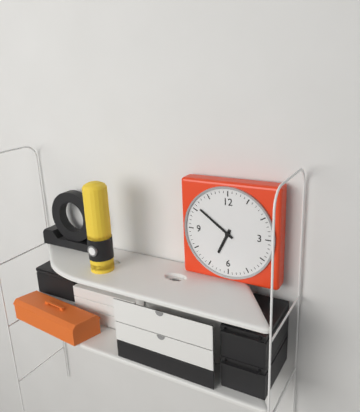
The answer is 6h51
